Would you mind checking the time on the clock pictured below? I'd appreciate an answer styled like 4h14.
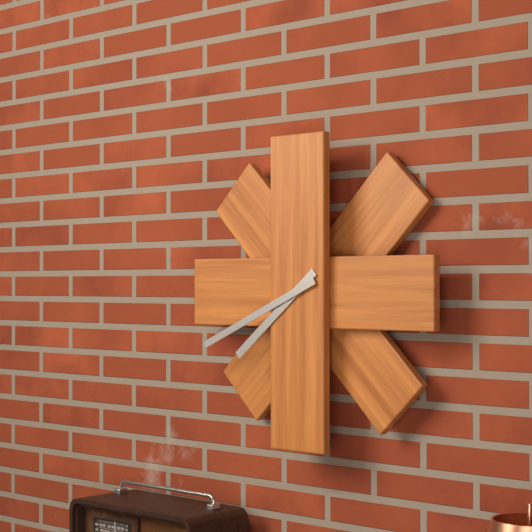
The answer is 7h41
